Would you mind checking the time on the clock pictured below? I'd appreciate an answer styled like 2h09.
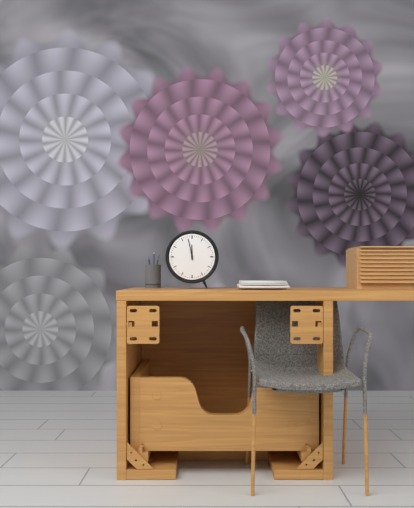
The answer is 11h58
